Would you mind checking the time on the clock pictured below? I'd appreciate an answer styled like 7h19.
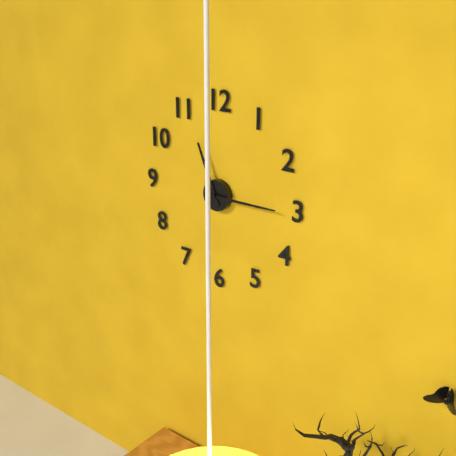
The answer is 11h15
